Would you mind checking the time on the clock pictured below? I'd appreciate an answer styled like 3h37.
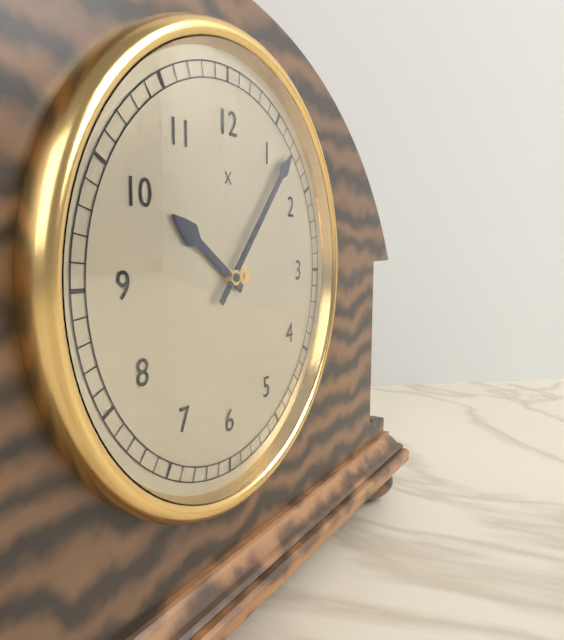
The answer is 10h07
